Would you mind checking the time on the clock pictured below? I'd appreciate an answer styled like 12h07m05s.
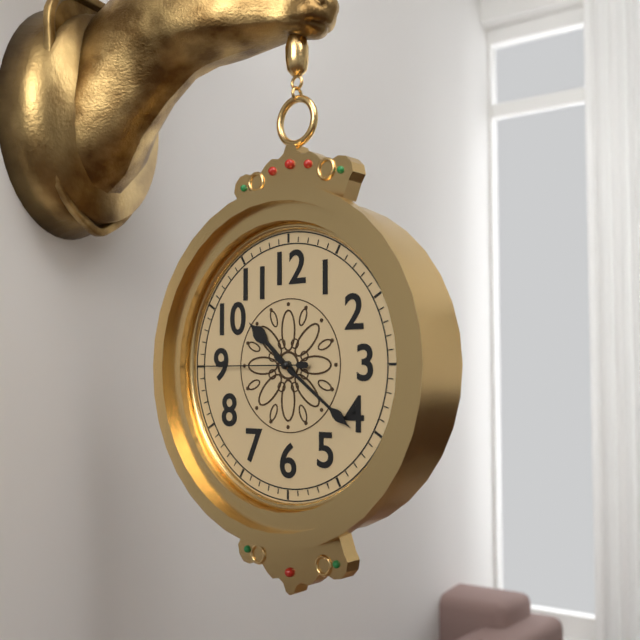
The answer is 10h21m45s
